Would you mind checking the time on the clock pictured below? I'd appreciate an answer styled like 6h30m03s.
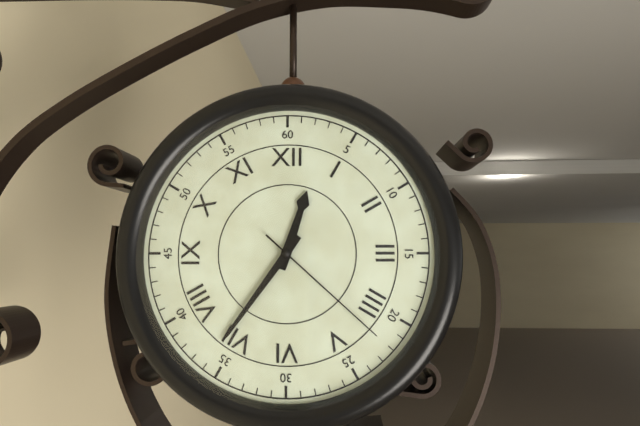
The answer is 12h36m22s
